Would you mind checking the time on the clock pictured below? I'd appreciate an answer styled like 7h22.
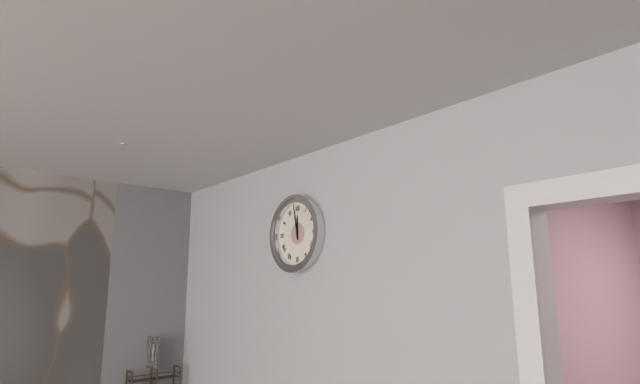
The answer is 11h58
